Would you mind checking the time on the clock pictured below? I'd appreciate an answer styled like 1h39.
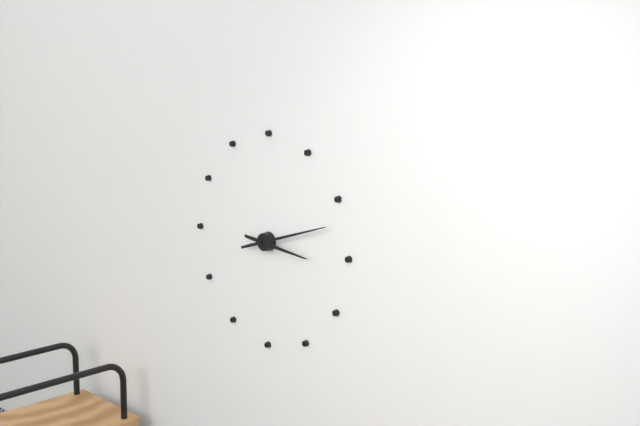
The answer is 3h12
